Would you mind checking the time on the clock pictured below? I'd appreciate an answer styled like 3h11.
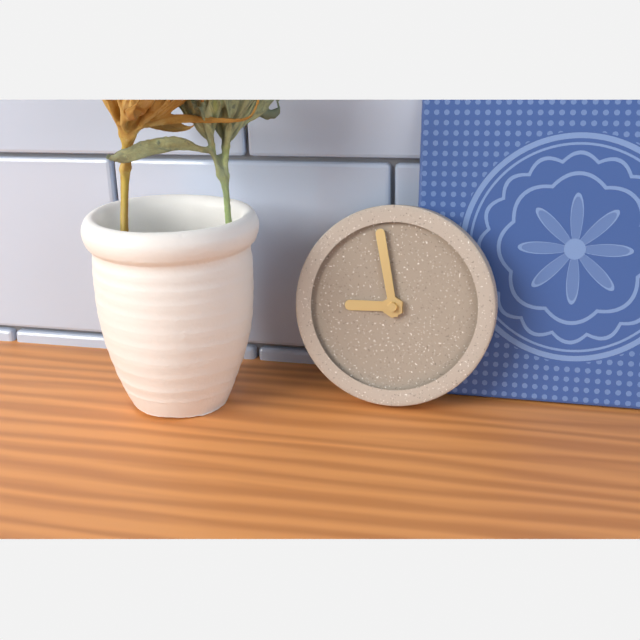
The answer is 8h58
